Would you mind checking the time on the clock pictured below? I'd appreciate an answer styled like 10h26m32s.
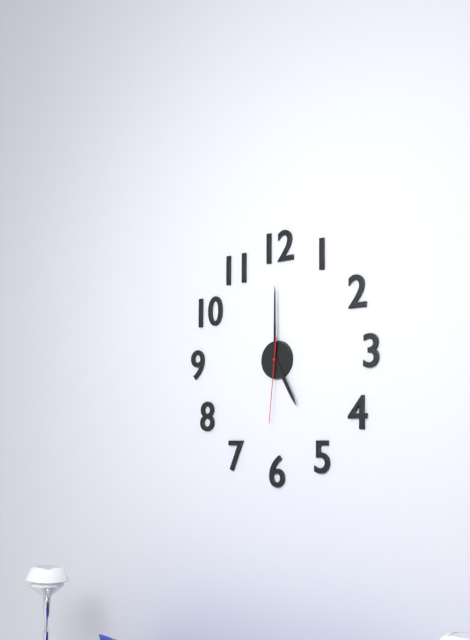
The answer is 5h00m31s
